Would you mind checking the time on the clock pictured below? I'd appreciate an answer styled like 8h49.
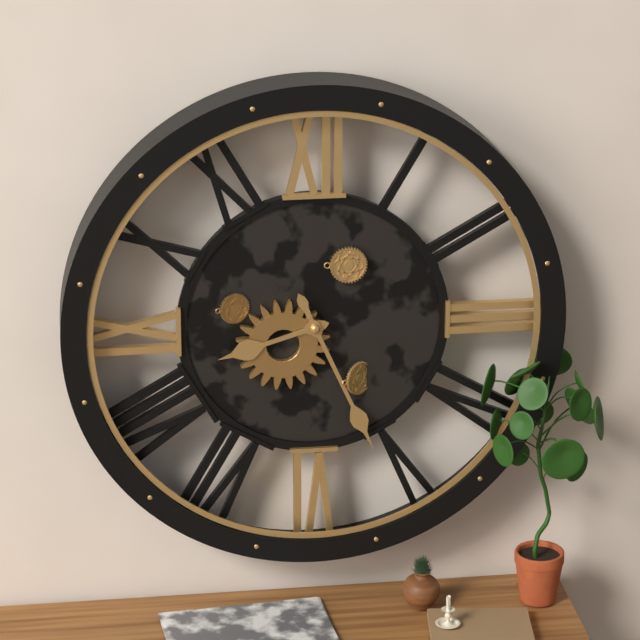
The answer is 8h26
